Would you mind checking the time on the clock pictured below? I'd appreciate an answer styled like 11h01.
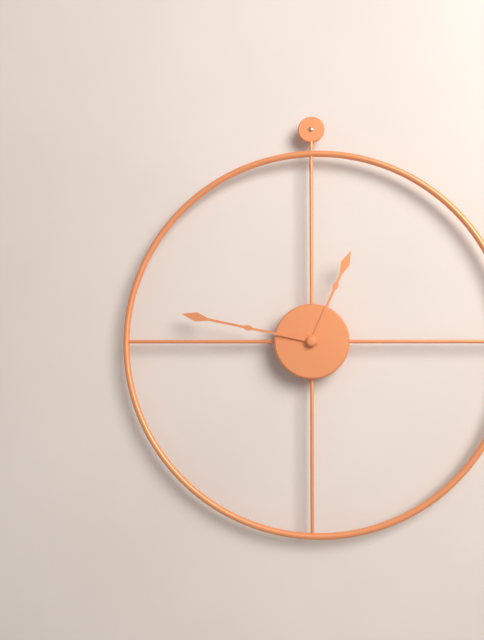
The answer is 12h47
